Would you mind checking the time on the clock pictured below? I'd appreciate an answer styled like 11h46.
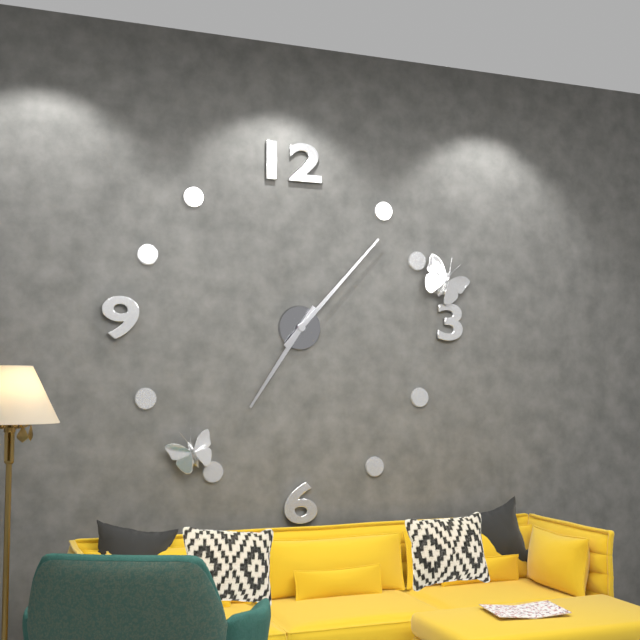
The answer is 7h07
